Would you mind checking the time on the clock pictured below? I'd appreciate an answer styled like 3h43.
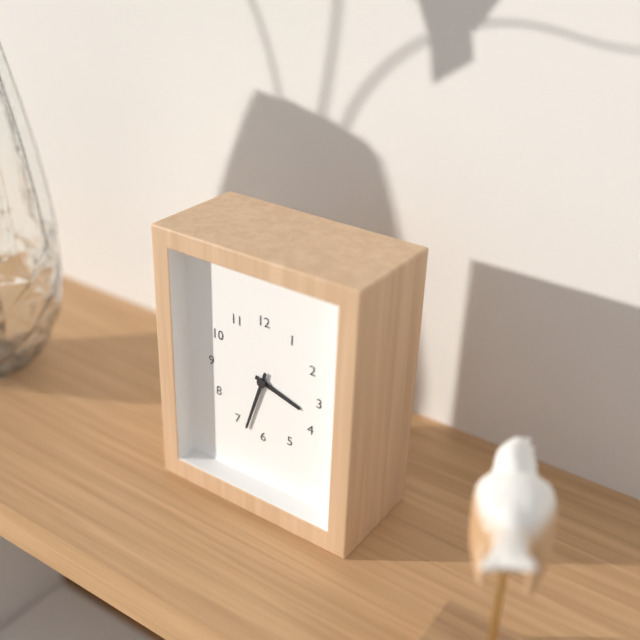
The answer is 3h33
